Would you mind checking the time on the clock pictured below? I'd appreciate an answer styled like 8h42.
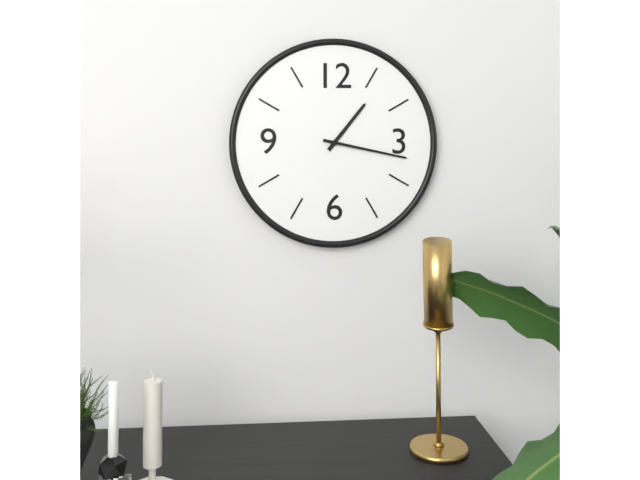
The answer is 1h17
